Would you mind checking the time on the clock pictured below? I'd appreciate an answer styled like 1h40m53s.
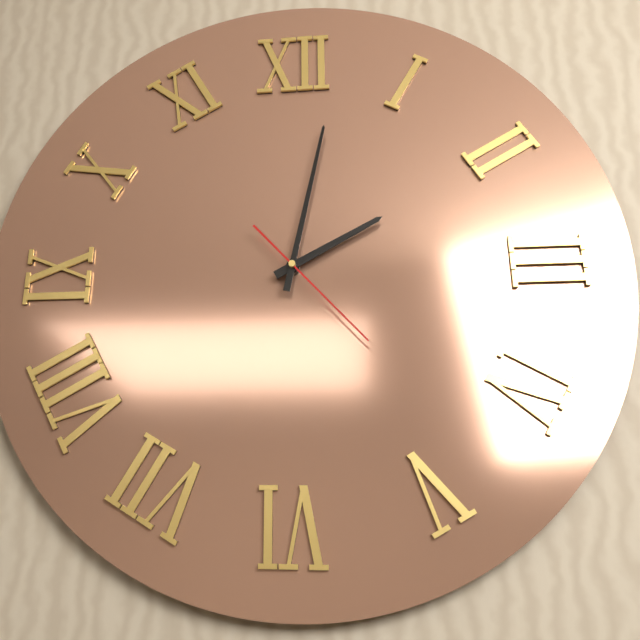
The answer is 2h02m23s
